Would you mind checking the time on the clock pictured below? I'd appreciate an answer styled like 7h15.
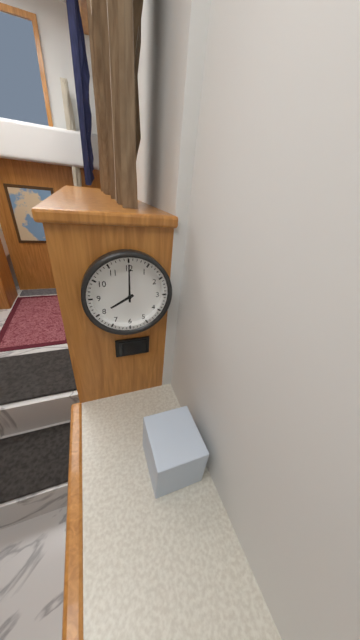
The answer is 8h00
